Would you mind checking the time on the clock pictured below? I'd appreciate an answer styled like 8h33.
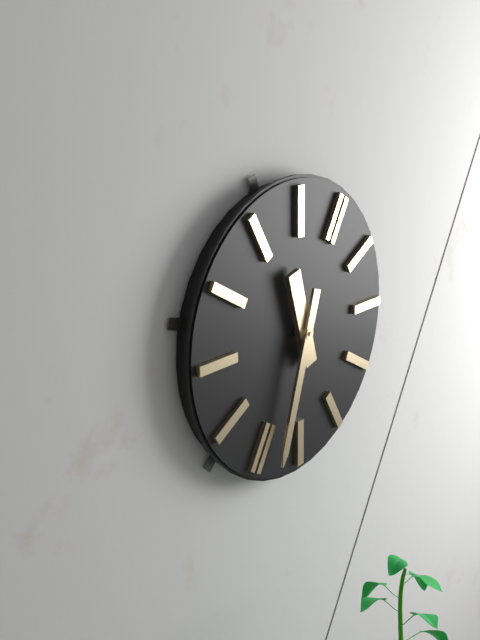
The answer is 10h28
